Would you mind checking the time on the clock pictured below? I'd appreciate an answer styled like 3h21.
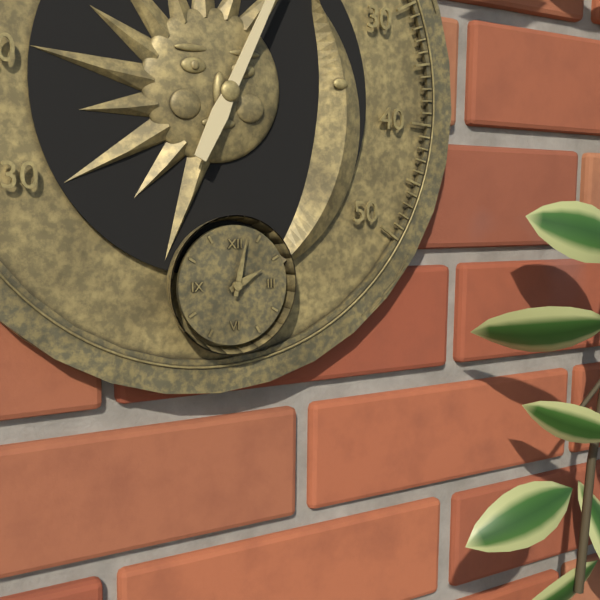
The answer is 2h02
